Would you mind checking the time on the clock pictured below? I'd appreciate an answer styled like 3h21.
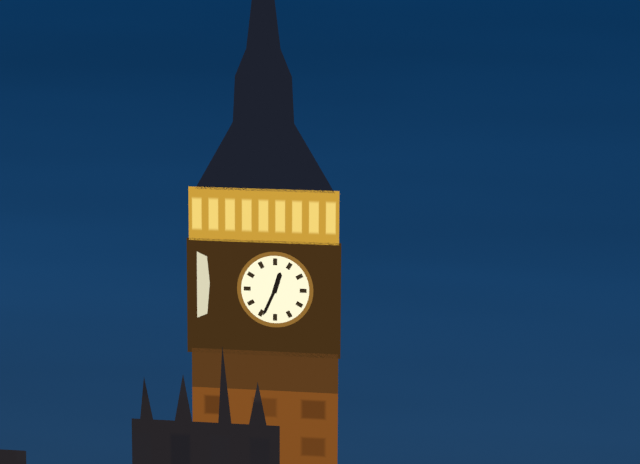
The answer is 12h34
